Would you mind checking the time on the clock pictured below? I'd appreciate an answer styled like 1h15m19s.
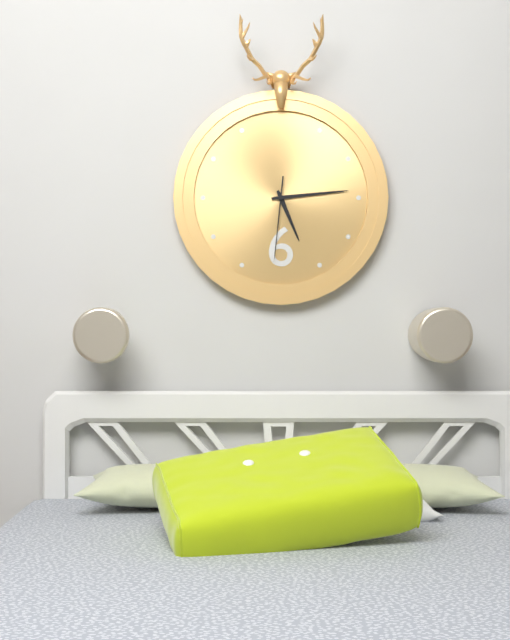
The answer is 5h14m31s
